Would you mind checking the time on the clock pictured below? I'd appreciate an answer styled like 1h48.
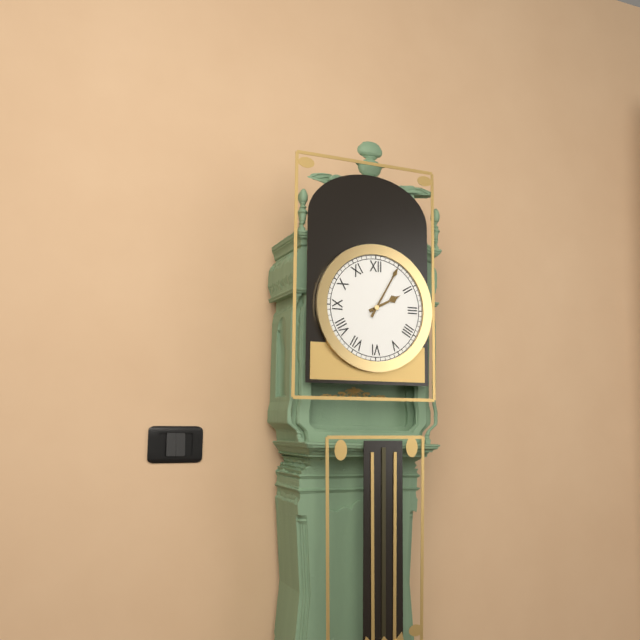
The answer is 2h05
